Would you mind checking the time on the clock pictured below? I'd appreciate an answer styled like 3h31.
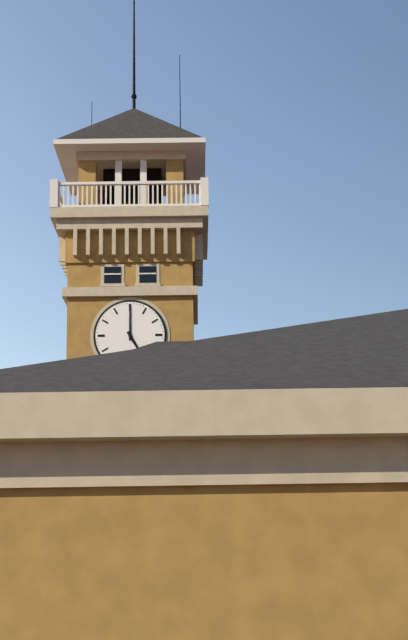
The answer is 5h00
